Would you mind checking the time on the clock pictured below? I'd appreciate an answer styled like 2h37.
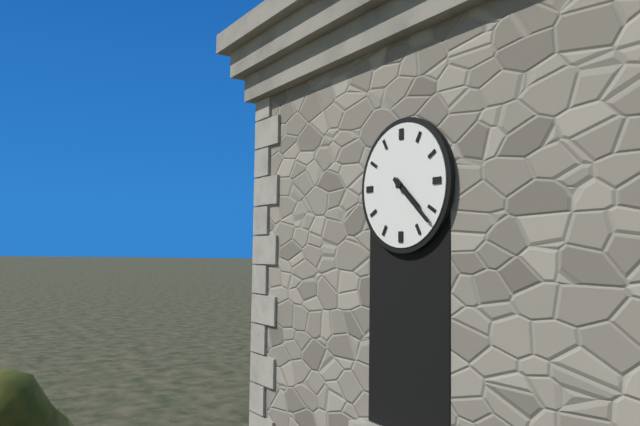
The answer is 4h22
